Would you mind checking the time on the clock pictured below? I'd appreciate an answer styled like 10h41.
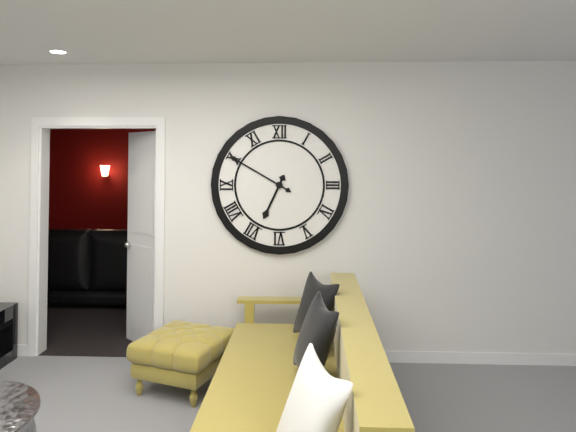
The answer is 6h50
